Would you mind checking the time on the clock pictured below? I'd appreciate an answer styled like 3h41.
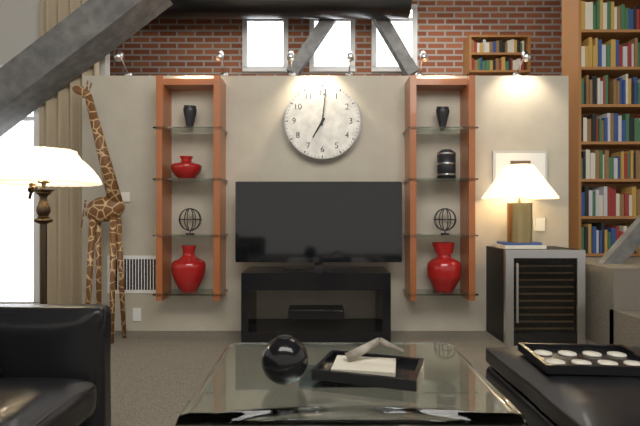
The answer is 7h01
